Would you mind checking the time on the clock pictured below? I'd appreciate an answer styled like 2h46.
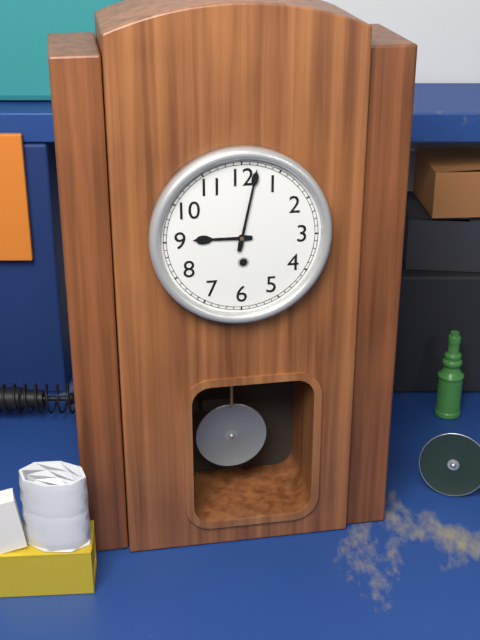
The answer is 9h02
